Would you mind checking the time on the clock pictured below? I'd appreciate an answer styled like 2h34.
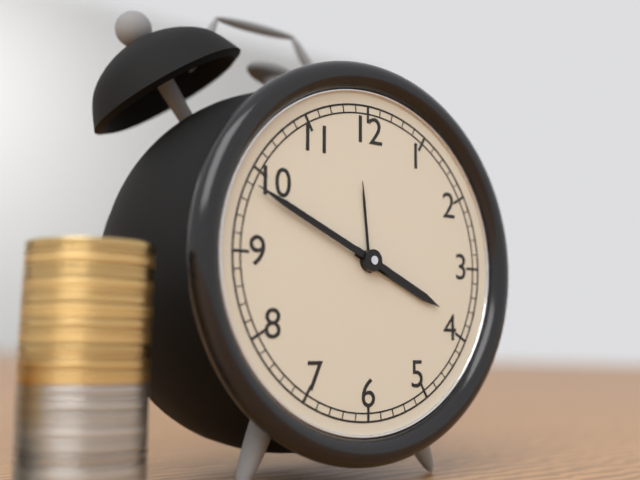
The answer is 3h49
